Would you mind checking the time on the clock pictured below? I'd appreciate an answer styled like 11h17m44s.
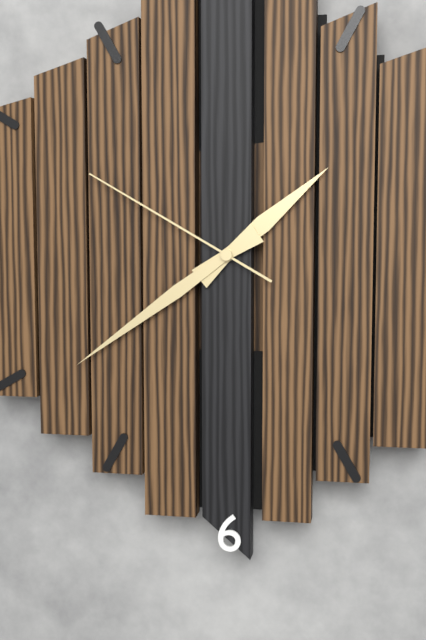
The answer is 1h39m50s
